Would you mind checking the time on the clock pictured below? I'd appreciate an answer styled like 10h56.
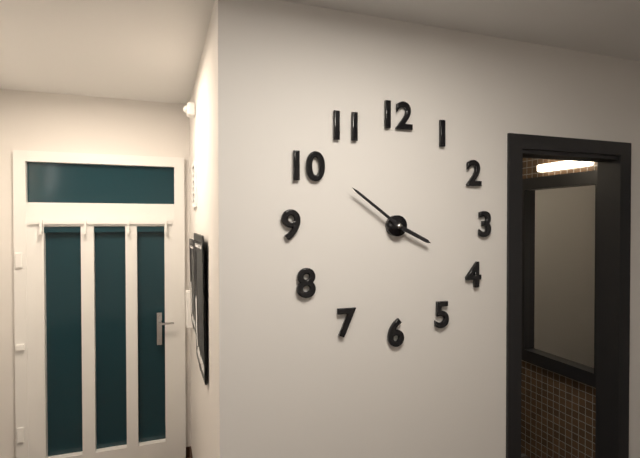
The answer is 3h51
